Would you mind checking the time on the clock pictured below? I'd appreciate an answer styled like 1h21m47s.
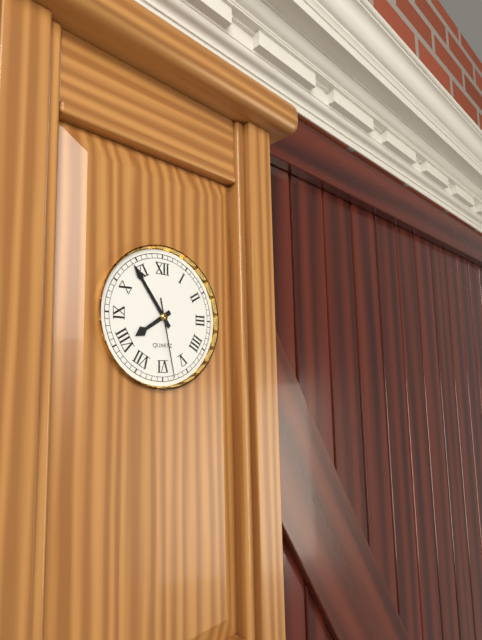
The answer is 7h54m28s
